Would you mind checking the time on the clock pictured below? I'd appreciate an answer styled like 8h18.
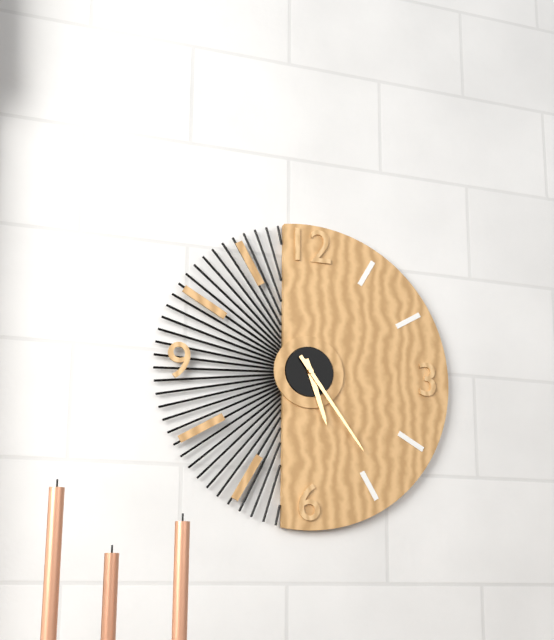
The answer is 5h24
